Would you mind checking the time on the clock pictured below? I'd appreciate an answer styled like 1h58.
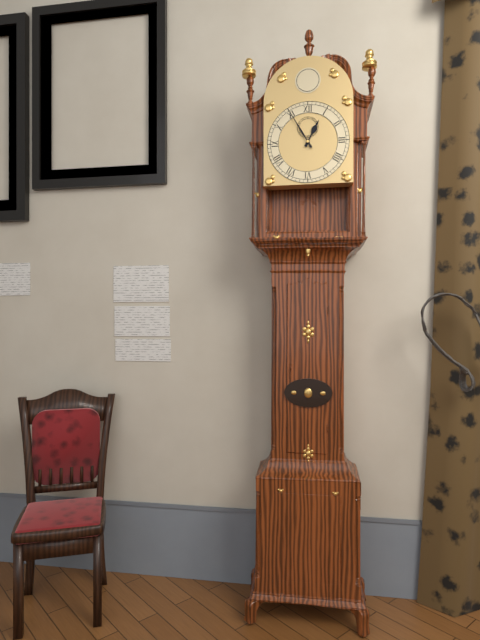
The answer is 12h55
